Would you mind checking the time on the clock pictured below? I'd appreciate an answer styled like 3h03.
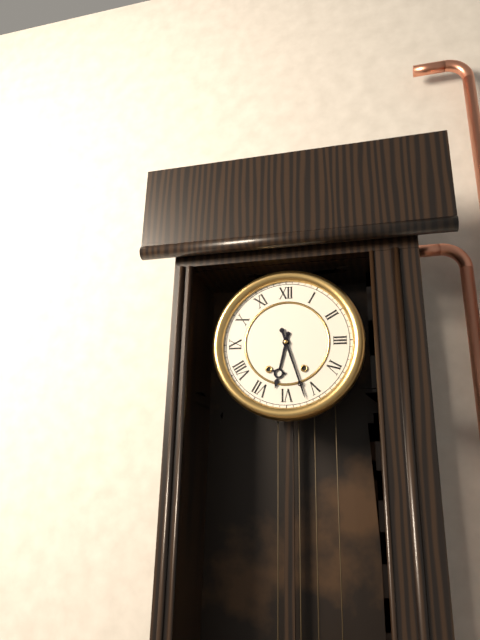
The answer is 6h27
